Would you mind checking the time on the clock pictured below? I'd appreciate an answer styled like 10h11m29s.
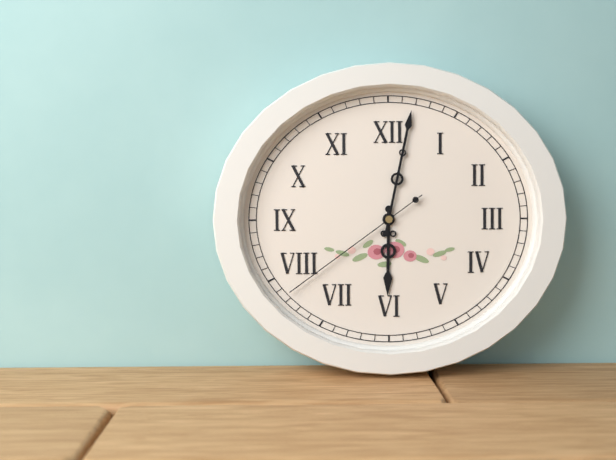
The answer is 6h02m39s
